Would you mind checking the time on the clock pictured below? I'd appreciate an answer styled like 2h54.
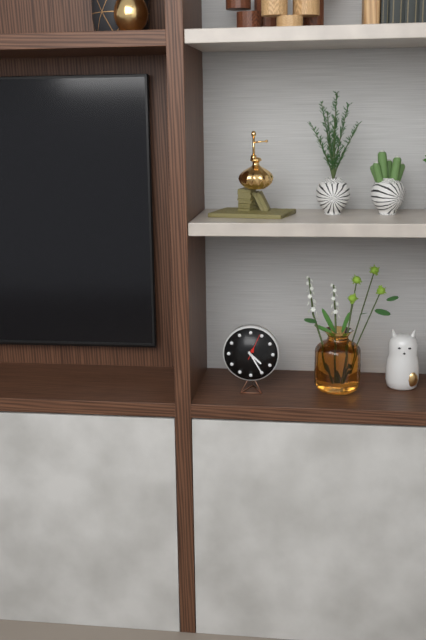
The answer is 4h25
